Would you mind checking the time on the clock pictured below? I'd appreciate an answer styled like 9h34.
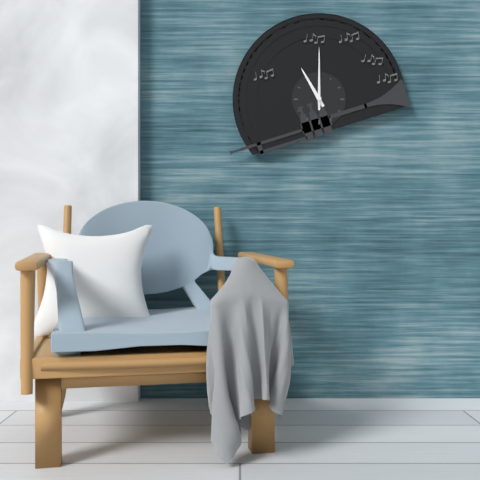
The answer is 11h00
